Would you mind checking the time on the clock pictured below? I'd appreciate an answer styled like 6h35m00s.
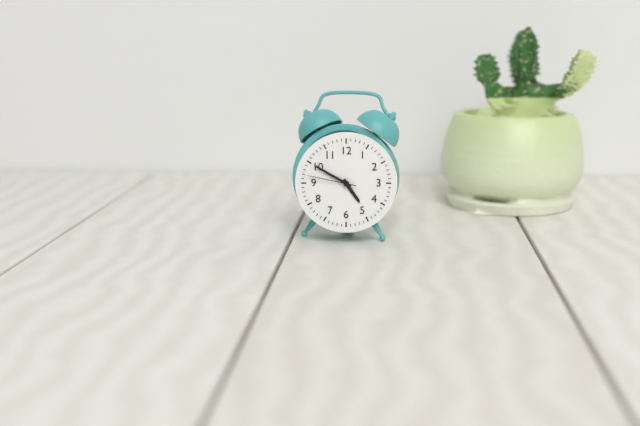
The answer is 4h50m47s
